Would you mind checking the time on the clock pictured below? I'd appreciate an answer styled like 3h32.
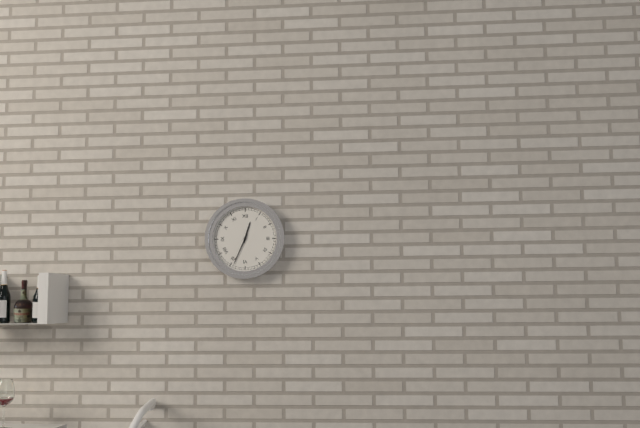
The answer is 12h34
